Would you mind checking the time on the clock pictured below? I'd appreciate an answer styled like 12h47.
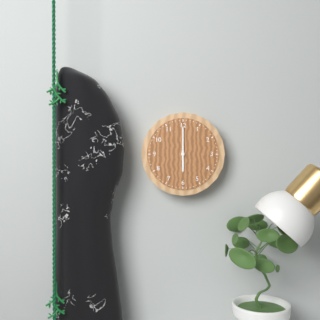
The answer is 6h00
